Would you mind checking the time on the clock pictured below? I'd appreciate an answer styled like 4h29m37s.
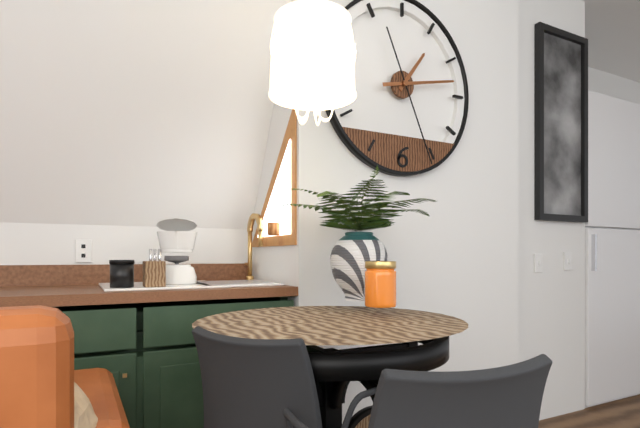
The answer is 1h13m26s
